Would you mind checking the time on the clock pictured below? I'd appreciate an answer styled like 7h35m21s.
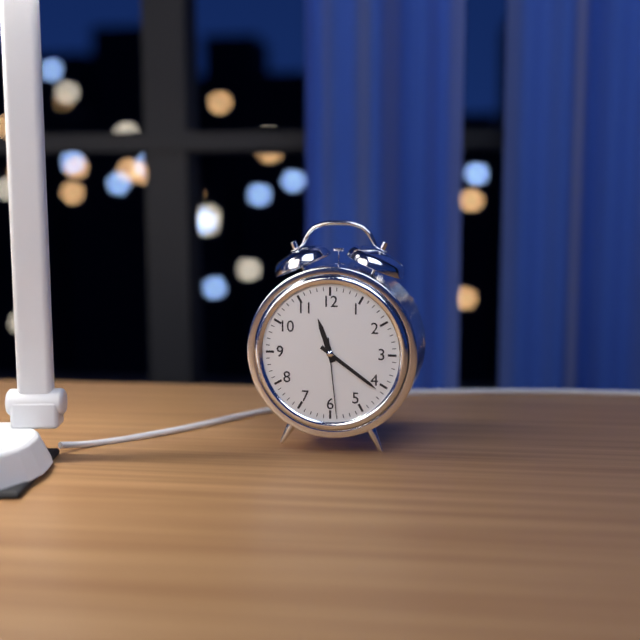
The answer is 11h21m29s
